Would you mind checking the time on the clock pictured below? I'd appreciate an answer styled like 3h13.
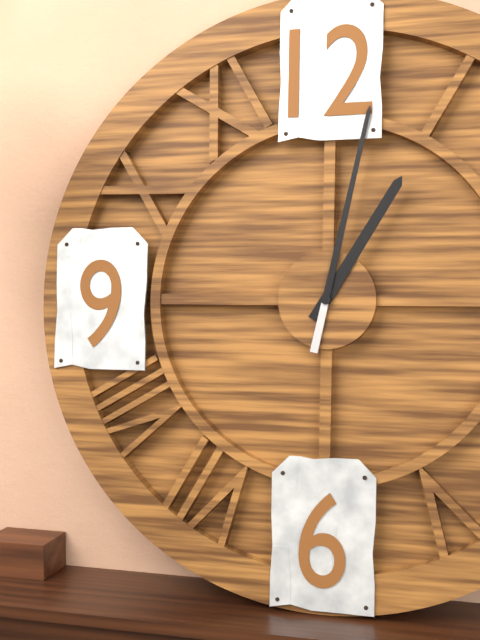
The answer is 1h02
